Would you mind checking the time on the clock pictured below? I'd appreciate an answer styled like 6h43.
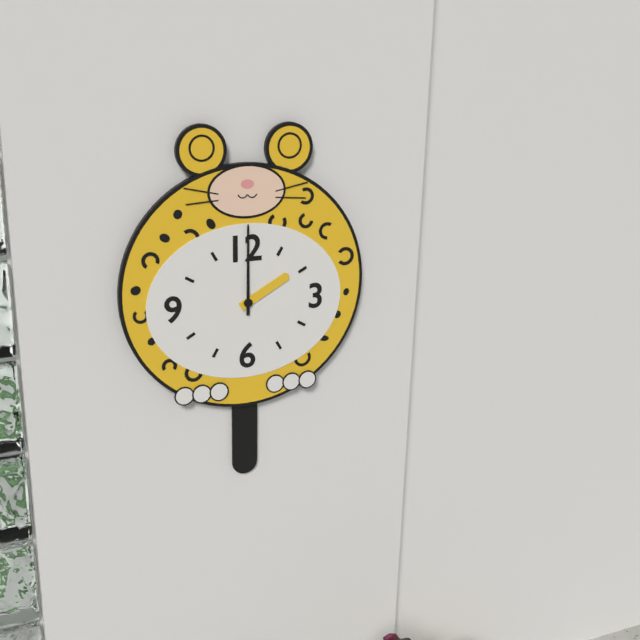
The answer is 2h00
